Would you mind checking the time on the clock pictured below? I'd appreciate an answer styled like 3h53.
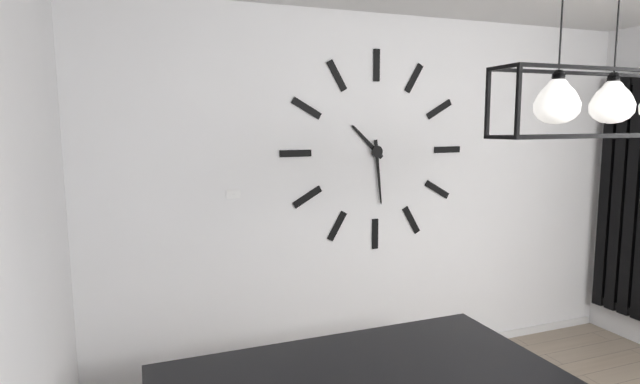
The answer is 10h29
